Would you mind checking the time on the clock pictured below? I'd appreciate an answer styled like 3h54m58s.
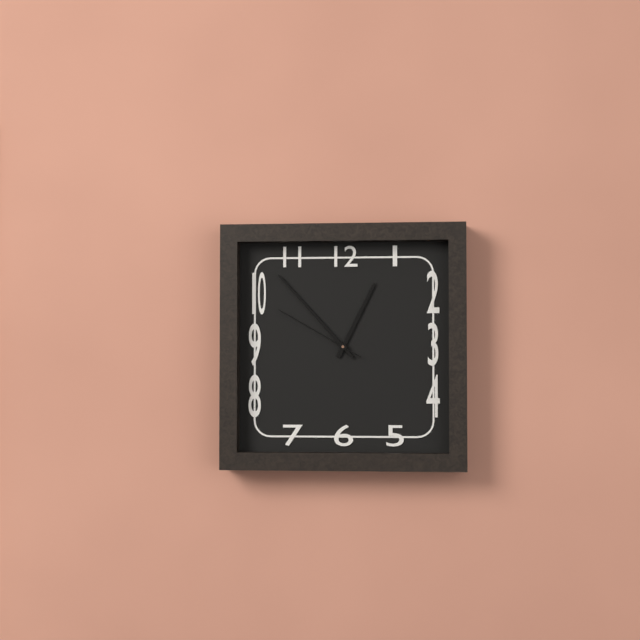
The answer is 12h53m50s
